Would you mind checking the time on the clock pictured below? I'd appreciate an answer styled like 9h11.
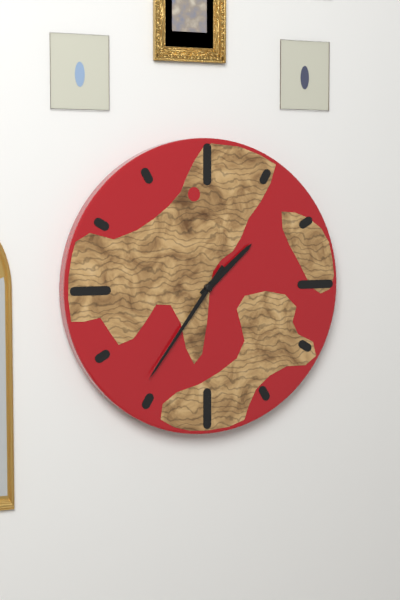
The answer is 1h36
